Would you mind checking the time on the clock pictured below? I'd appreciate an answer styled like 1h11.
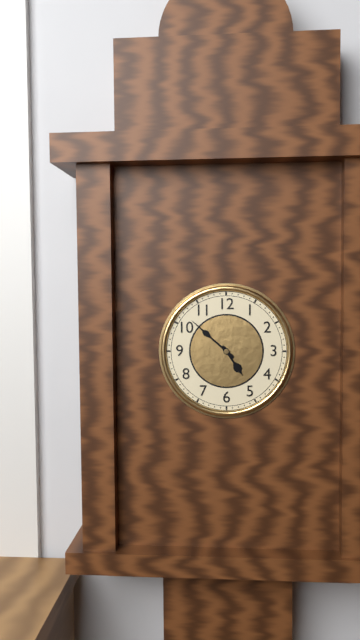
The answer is 4h52
